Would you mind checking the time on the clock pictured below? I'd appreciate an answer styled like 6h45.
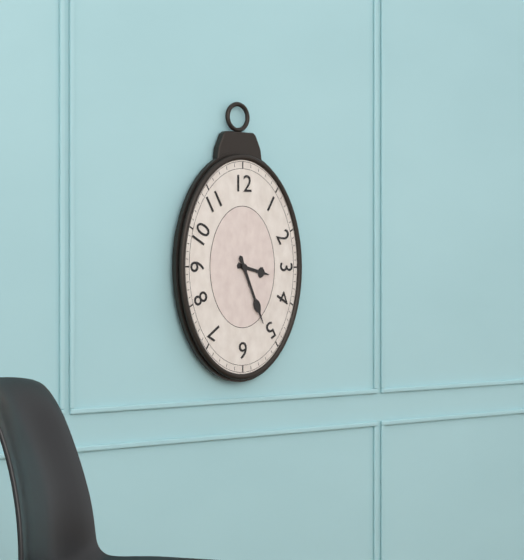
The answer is 3h26
